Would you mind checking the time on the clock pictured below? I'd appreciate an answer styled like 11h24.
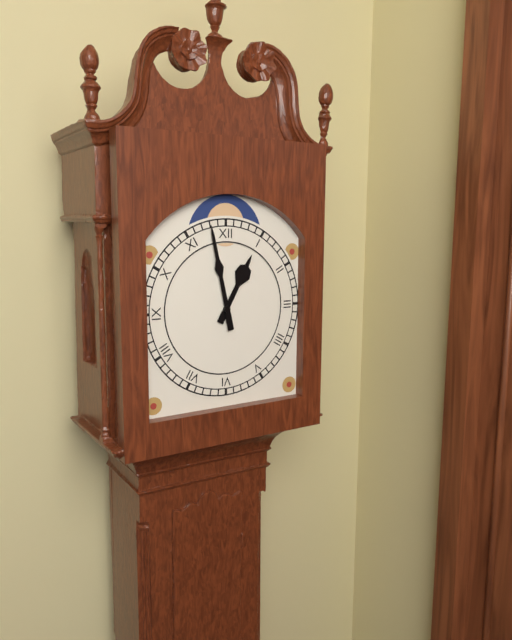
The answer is 12h58
